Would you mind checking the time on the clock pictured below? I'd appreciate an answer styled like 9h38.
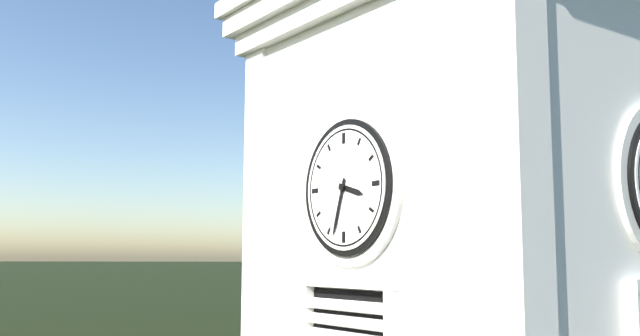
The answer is 3h33
